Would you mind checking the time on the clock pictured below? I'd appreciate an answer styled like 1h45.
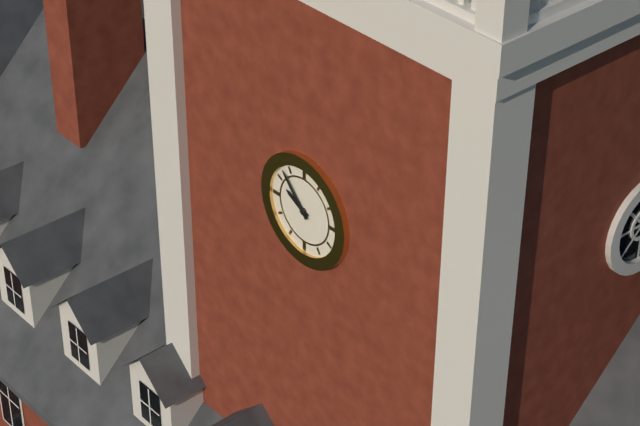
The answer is 9h53
